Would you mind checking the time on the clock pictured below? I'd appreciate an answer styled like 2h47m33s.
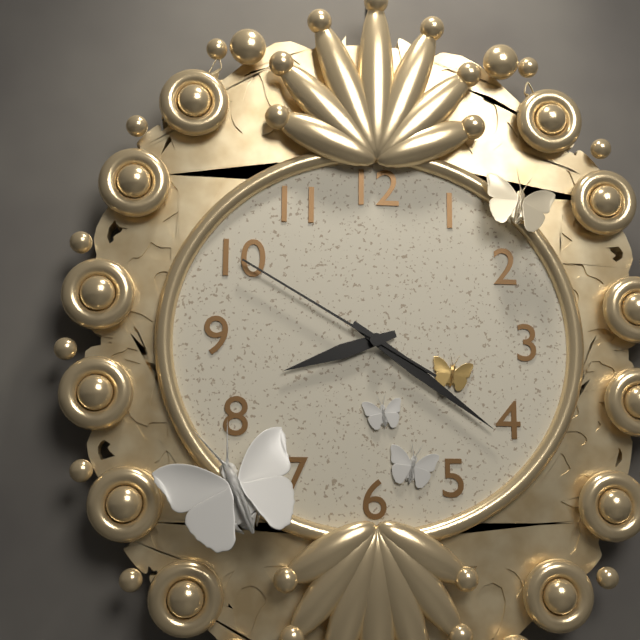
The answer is 8h21m50s
